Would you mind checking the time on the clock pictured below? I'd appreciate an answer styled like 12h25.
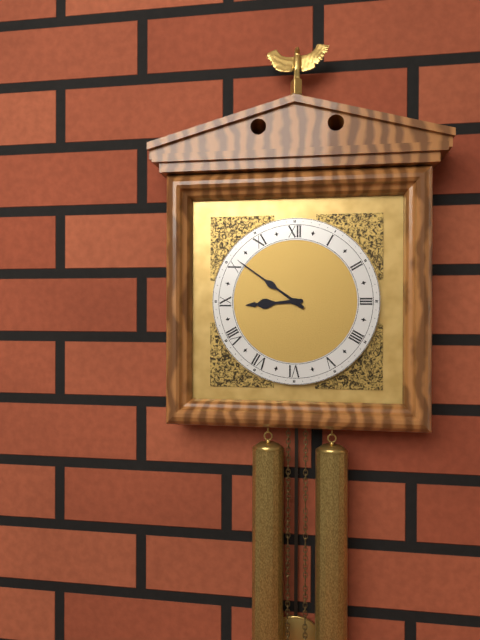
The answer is 8h51
